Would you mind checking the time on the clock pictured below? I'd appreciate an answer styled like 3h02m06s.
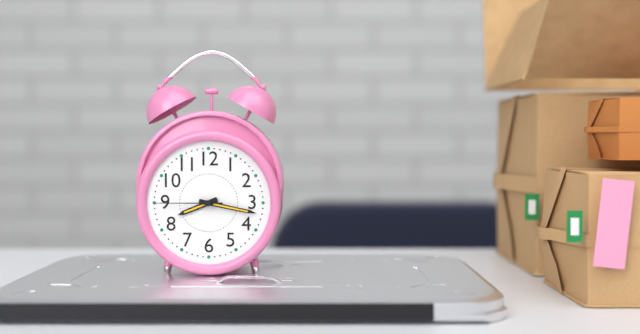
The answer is 8h17m45s
